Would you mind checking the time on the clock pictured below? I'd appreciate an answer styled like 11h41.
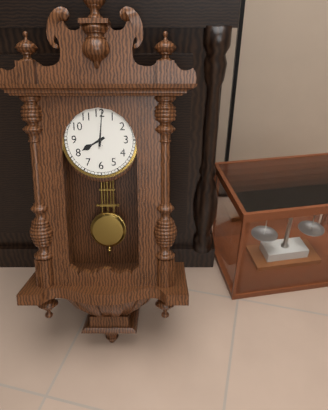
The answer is 8h01
